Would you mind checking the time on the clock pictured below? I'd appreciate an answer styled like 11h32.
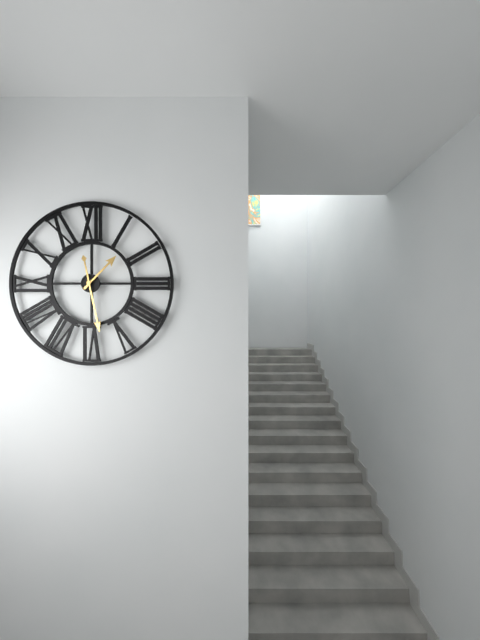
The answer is 1h28
